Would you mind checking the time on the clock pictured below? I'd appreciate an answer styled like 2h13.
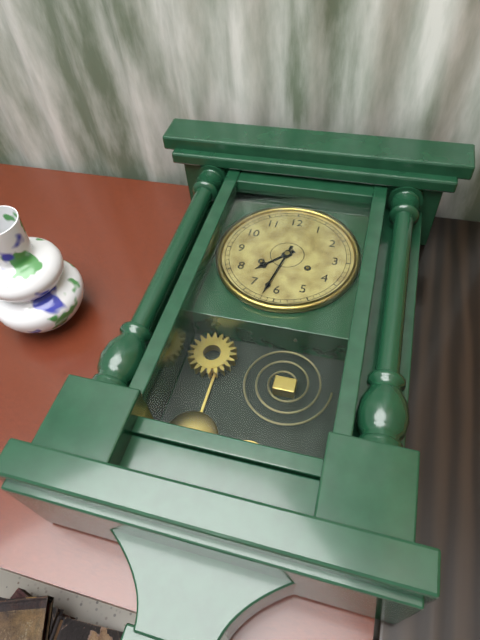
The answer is 7h32
